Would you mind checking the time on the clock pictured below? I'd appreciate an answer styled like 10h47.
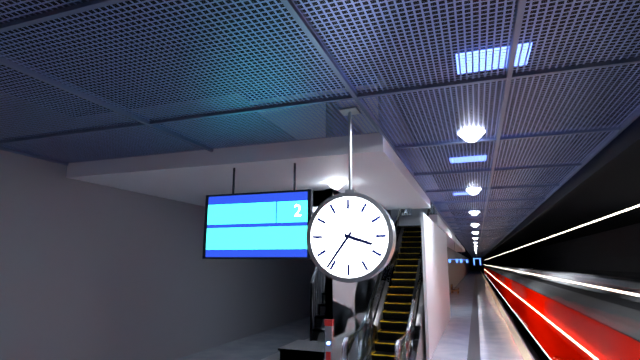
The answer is 3h36
